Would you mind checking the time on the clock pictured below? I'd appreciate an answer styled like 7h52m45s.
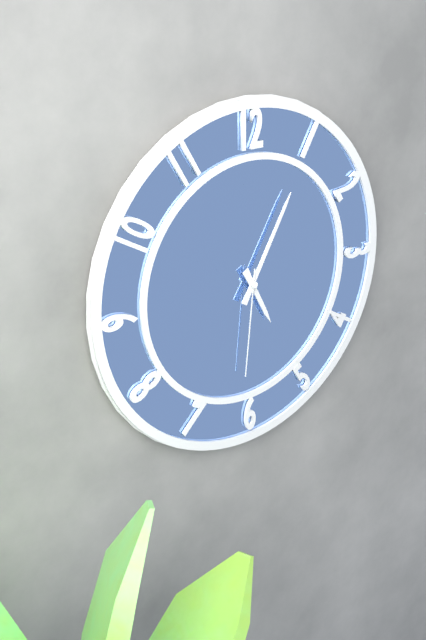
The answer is 5h05m31s
